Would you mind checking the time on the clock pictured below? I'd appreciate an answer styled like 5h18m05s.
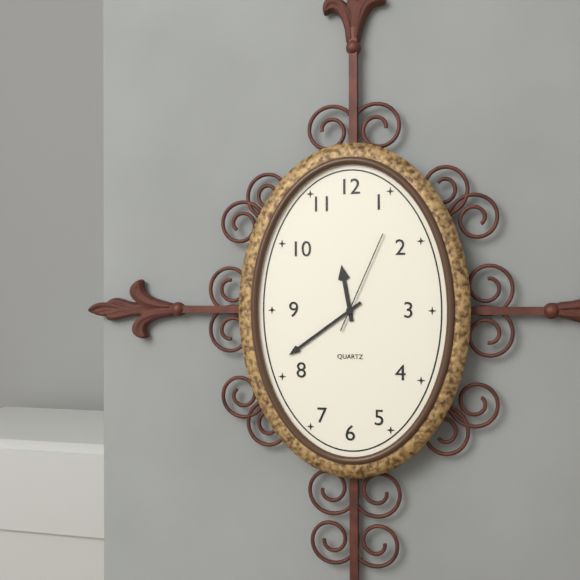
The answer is 11h39m04s
